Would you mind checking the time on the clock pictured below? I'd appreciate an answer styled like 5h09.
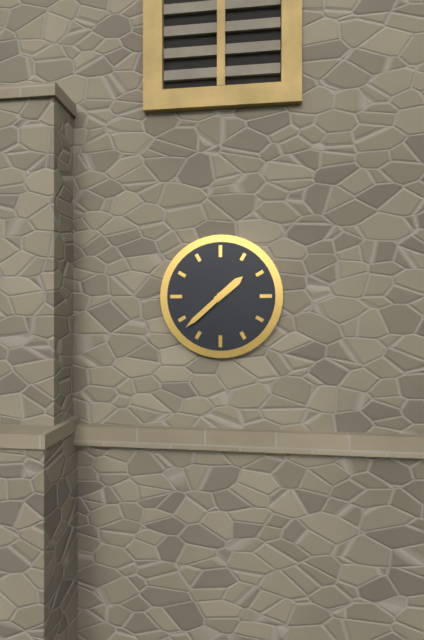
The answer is 1h38
